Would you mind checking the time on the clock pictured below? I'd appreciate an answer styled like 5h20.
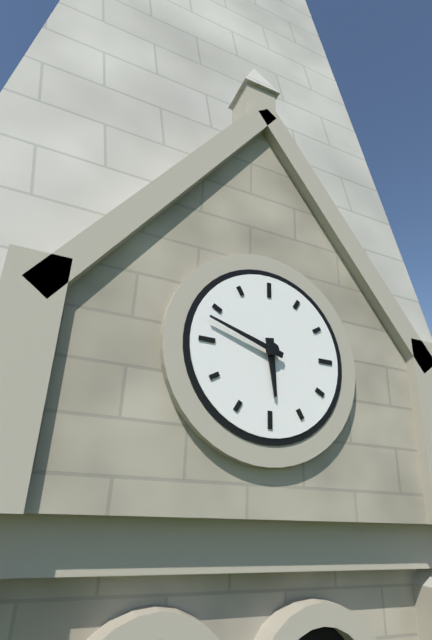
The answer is 5h48
